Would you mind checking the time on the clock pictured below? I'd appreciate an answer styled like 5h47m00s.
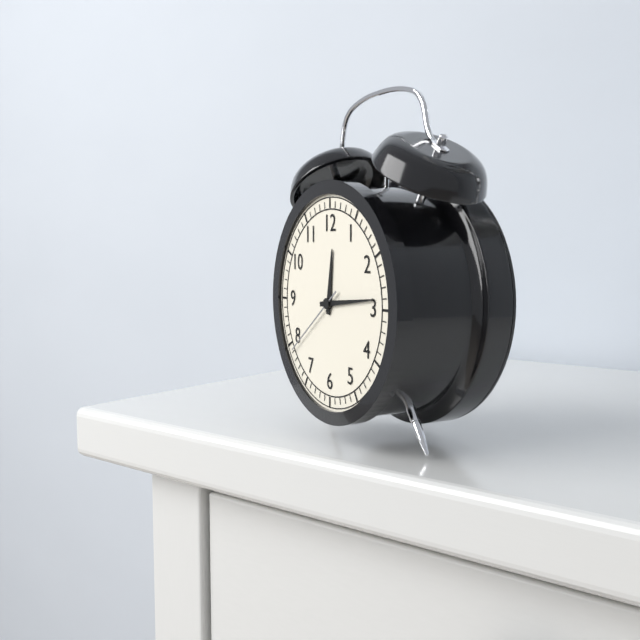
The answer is 12h14m39s
